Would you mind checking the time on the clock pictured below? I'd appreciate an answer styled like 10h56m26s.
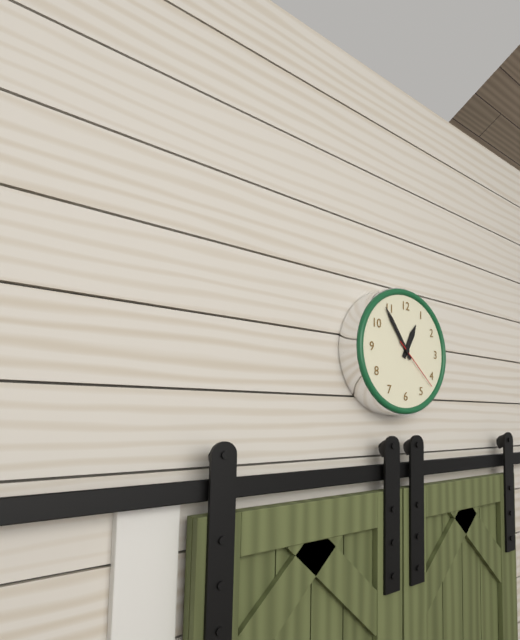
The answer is 12h54m22s
